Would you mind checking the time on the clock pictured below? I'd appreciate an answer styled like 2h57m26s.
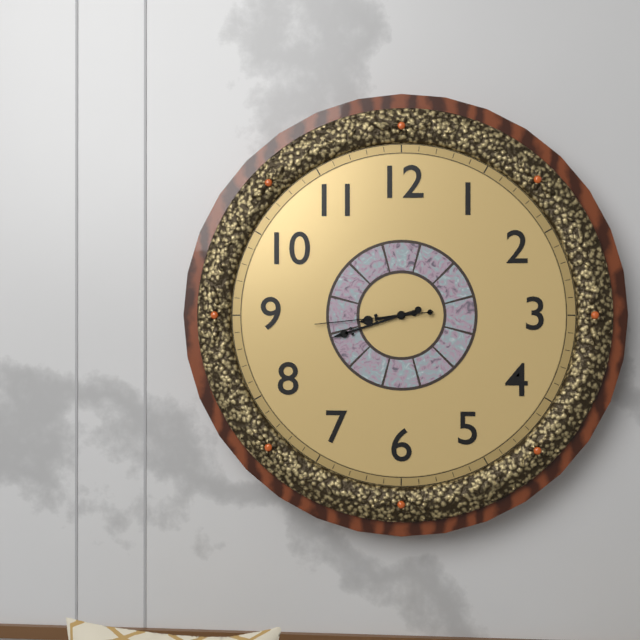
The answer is 8h42m44s
